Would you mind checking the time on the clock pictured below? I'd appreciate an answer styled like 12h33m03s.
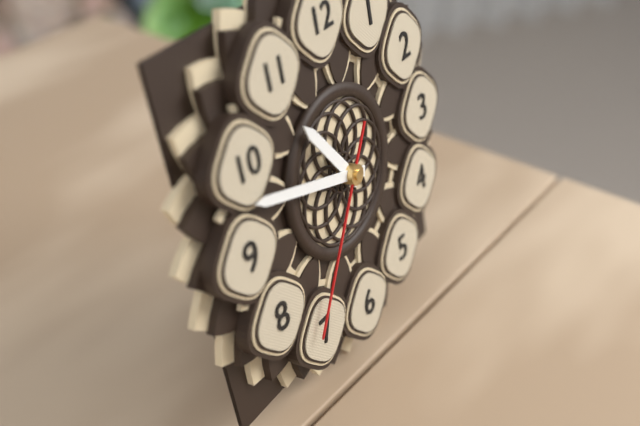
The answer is 10h48m36s
